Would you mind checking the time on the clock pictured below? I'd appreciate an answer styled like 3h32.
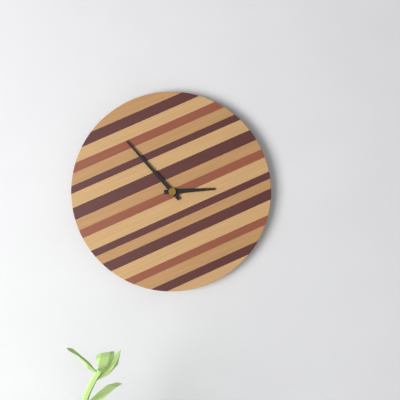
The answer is 2h53
